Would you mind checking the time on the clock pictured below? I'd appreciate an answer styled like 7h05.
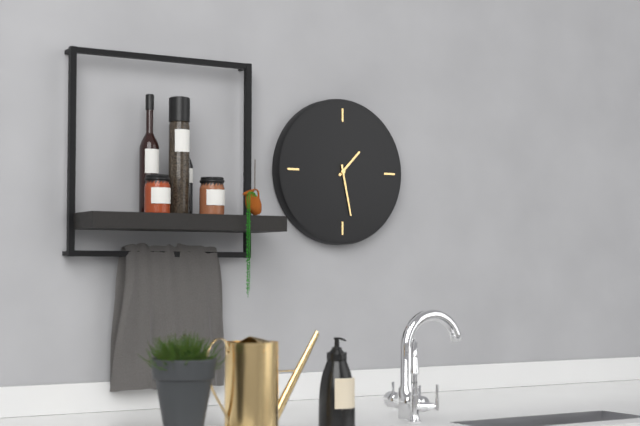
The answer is 1h28
